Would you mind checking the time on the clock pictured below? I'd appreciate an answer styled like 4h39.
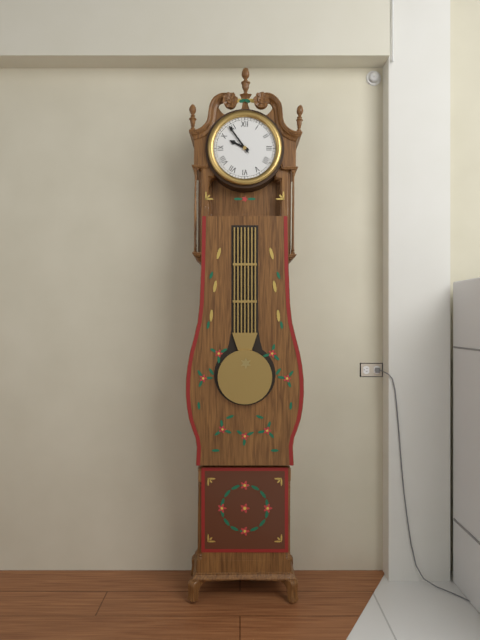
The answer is 9h54
